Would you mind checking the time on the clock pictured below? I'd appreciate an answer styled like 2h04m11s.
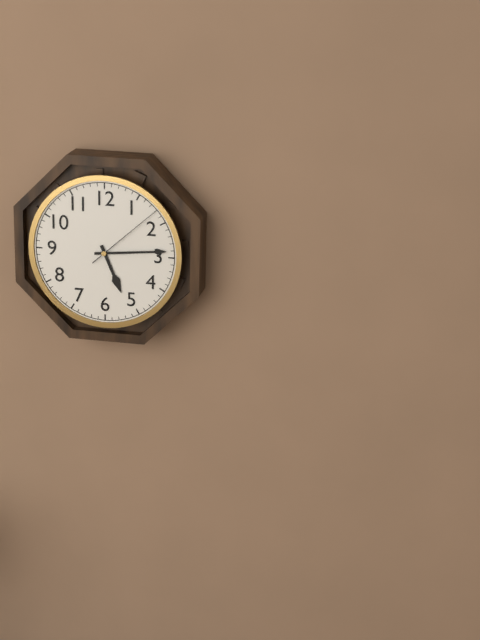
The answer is 5h14m08s
